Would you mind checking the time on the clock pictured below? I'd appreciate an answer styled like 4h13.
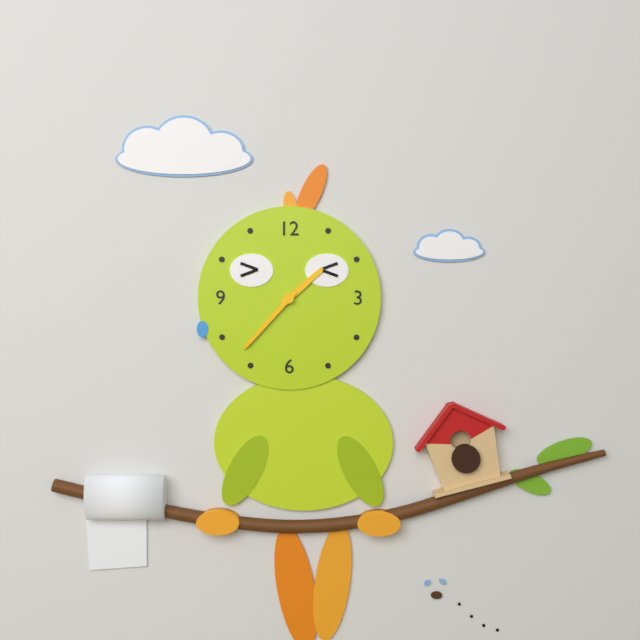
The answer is 1h37
